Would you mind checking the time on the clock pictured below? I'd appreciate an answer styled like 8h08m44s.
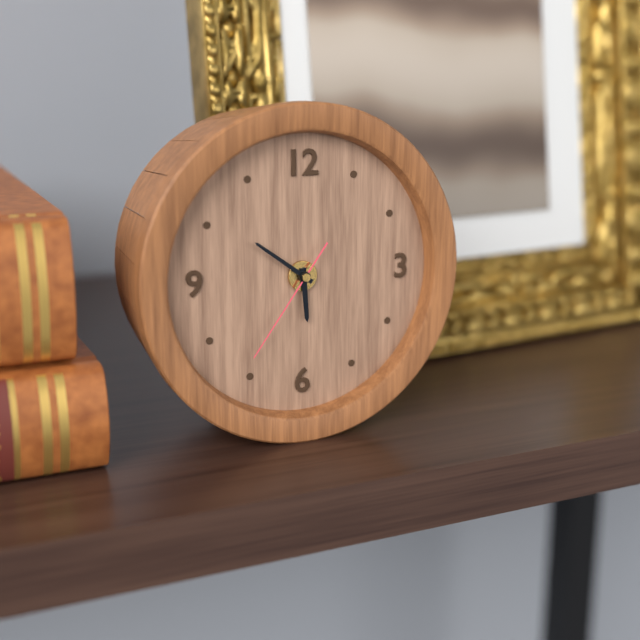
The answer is 5h51m36s
